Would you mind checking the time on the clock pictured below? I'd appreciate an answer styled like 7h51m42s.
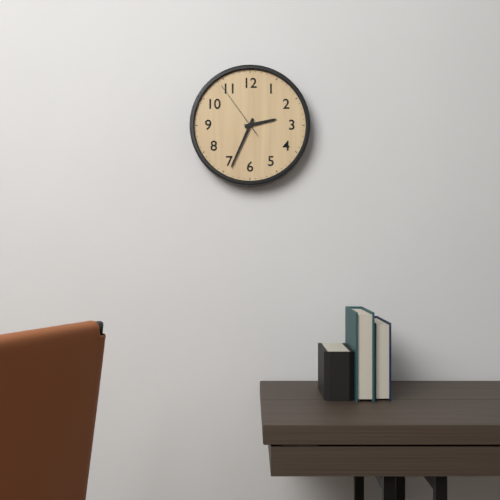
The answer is 2h34m54s
